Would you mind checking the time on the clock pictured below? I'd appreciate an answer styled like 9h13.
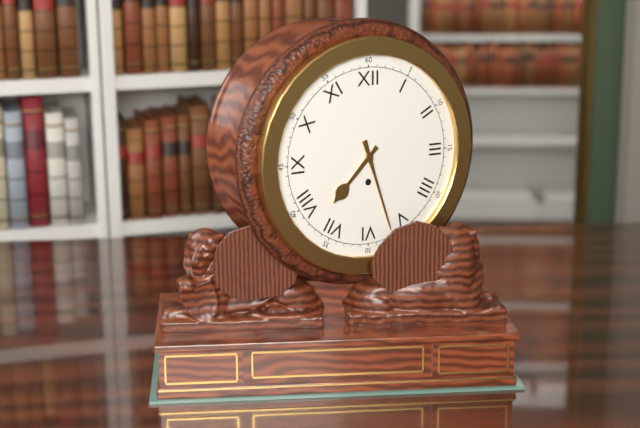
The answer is 7h27
